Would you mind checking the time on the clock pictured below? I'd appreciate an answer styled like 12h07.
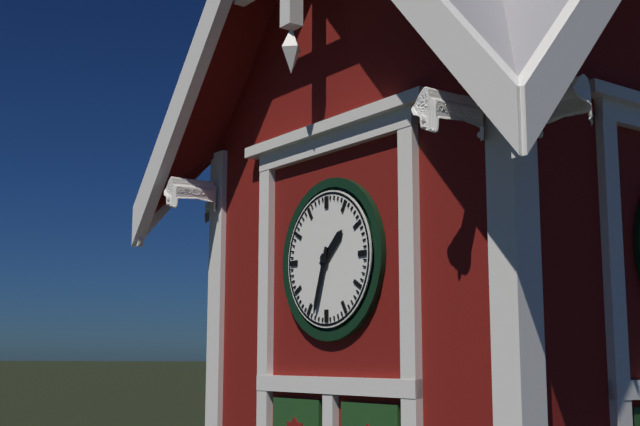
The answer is 1h33
